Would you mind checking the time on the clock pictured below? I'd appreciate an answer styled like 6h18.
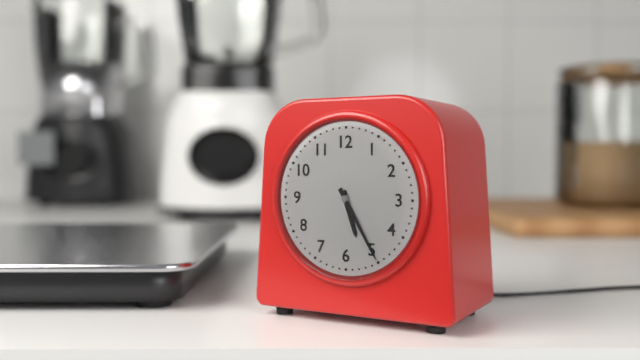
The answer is 5h25
